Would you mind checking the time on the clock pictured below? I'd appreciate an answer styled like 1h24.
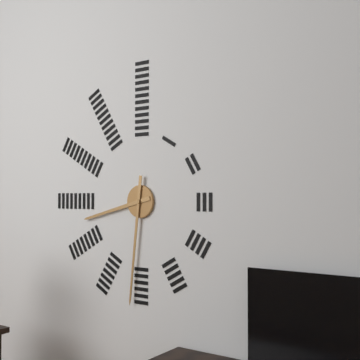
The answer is 8h31
